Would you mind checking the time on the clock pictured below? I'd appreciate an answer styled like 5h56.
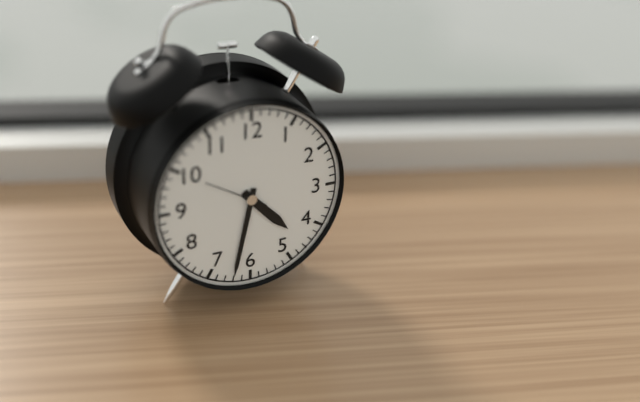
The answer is 4h32
